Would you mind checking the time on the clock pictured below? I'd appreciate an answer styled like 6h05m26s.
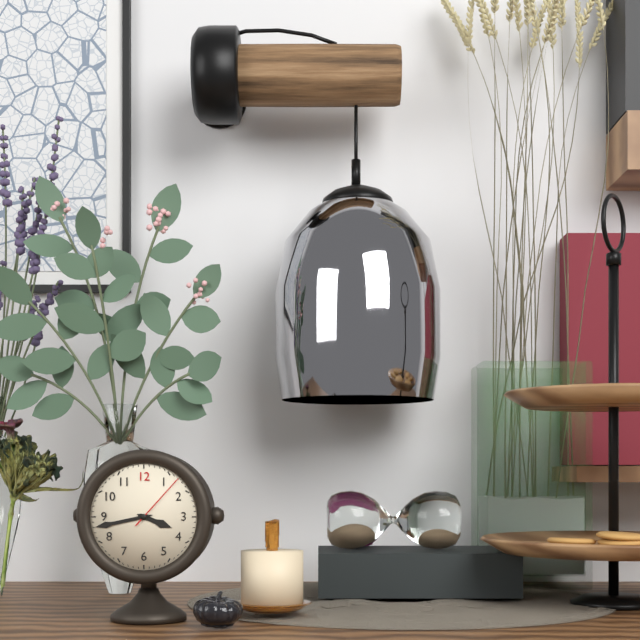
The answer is 3h43m07s
